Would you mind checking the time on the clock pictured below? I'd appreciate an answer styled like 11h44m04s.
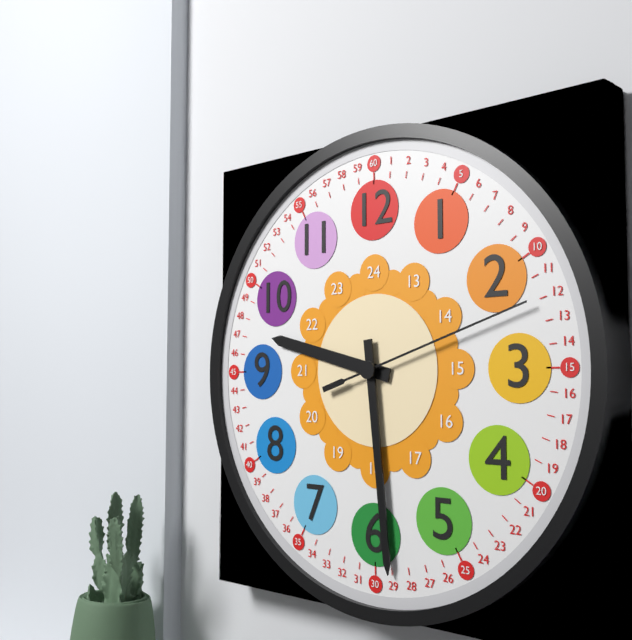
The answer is 9h29m12s
